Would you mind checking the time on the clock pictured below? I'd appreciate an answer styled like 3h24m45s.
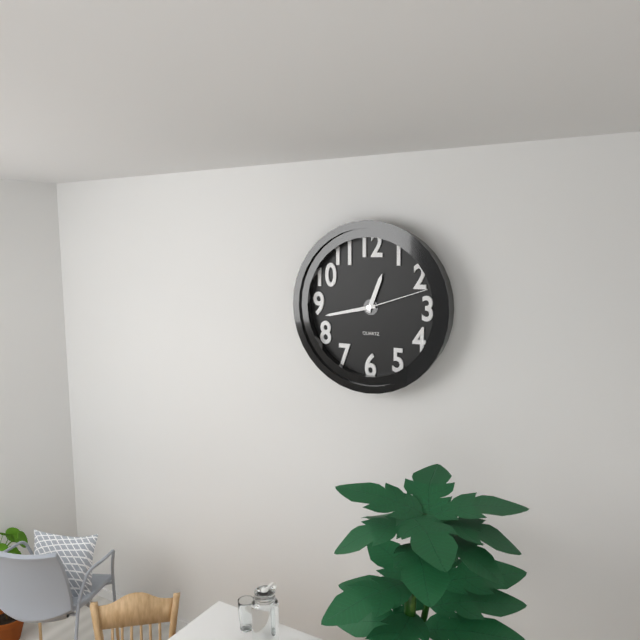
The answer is 12h43m12s
